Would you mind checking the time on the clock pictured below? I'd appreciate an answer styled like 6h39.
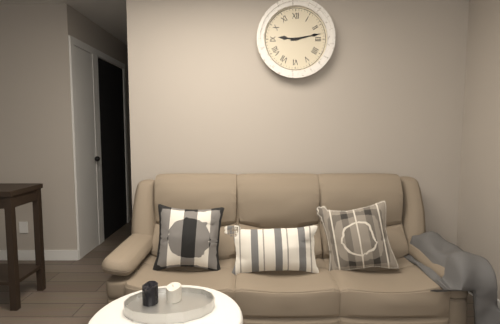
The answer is 9h13
